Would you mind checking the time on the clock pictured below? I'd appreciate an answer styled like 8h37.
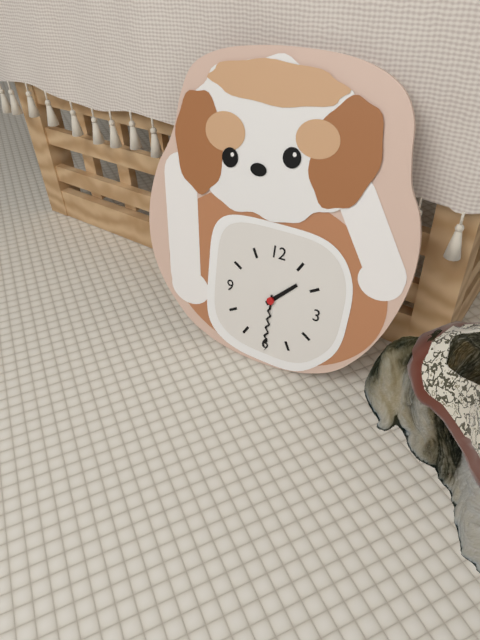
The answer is 1h30
